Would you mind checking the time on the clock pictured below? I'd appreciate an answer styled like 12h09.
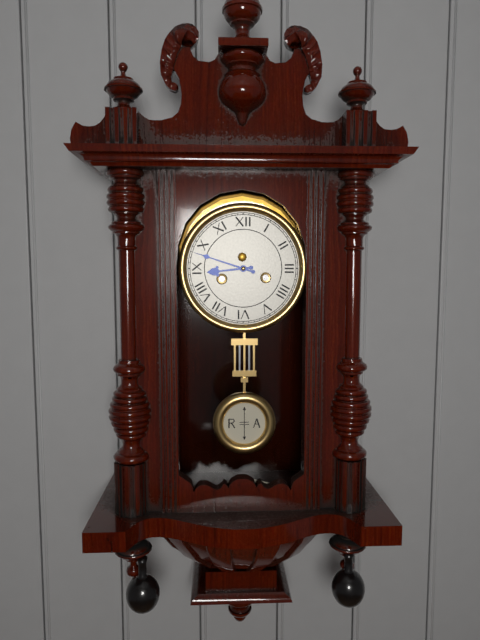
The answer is 8h48
